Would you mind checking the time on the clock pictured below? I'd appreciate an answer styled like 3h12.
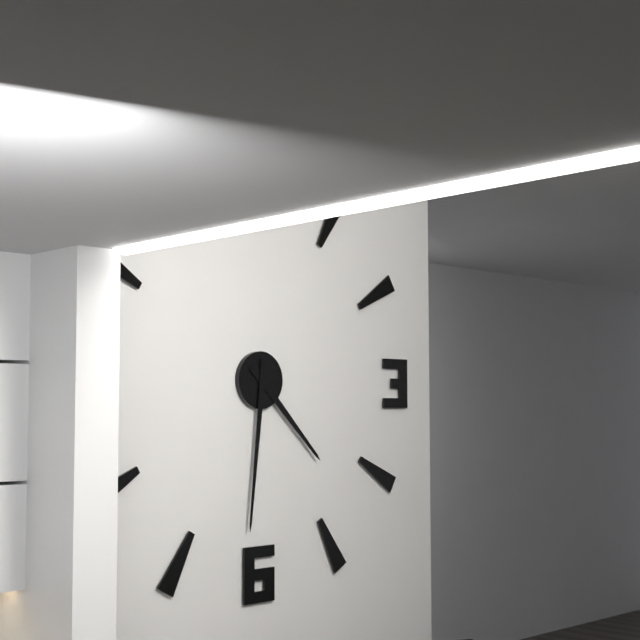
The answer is 4h31
